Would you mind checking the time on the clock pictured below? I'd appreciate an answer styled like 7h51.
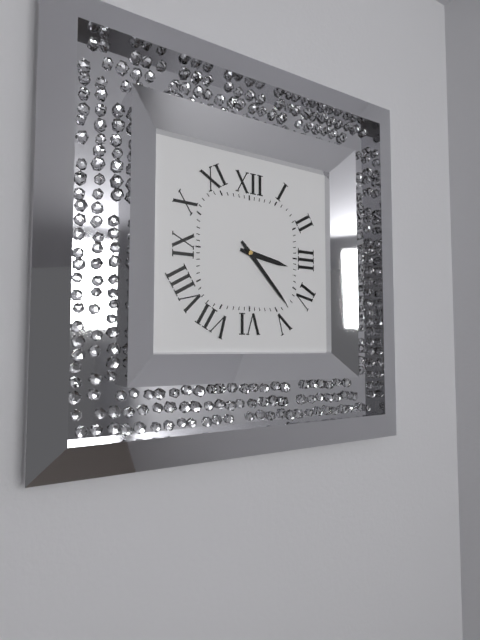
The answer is 3h23
